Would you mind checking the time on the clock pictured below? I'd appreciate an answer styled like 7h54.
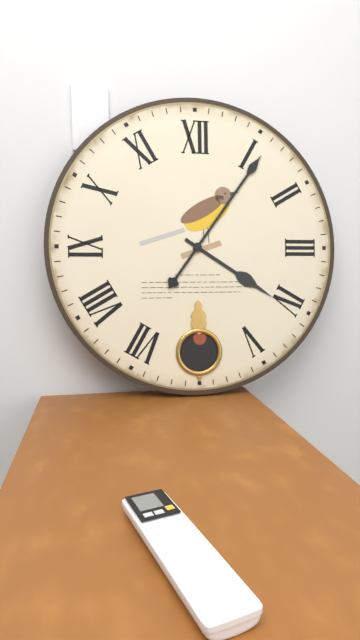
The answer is 4h06
